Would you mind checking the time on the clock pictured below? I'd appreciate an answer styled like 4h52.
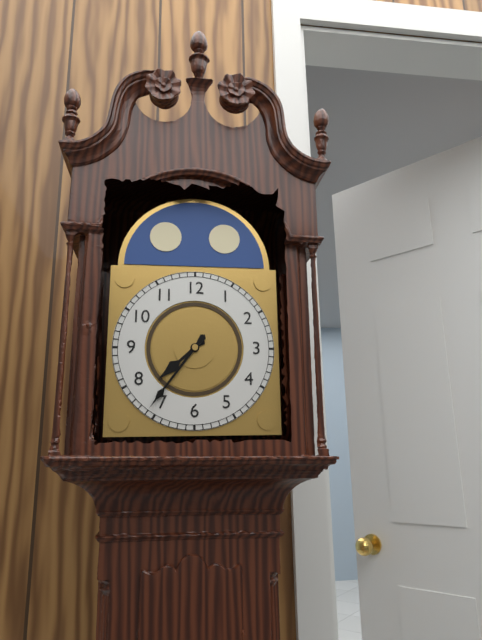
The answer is 7h36
